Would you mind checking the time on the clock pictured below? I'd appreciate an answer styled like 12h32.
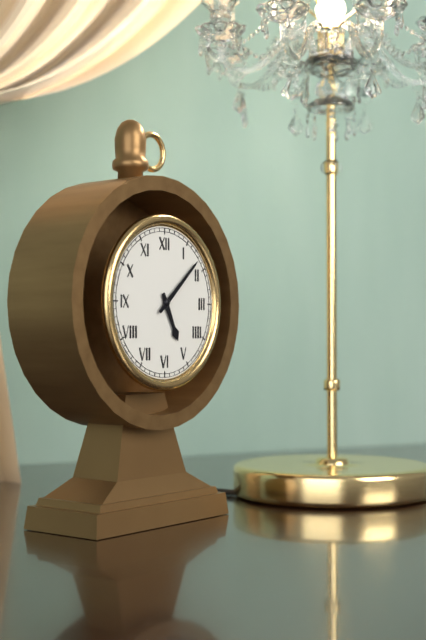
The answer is 5h08
